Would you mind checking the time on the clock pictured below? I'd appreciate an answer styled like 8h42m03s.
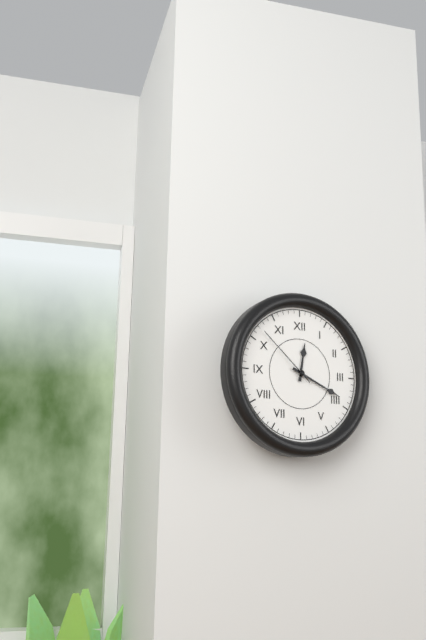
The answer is 12h19m52s
